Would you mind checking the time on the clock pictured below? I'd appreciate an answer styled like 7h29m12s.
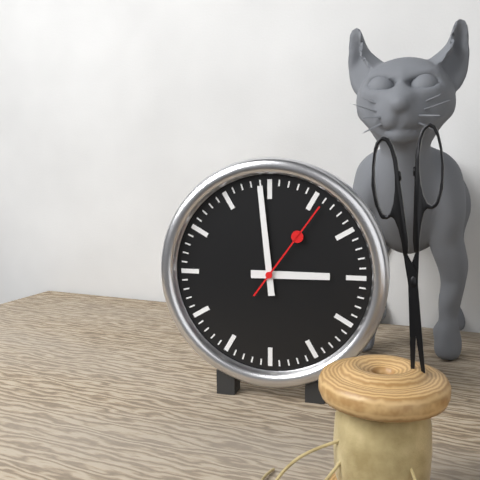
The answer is 2h59m06s
